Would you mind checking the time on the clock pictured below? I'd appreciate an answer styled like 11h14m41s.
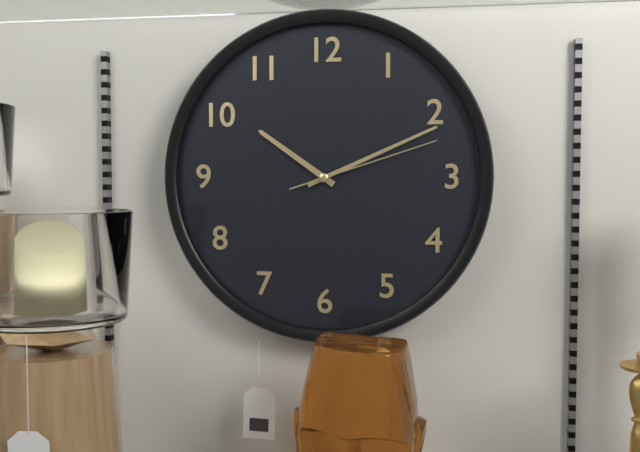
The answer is 10h11m12s
